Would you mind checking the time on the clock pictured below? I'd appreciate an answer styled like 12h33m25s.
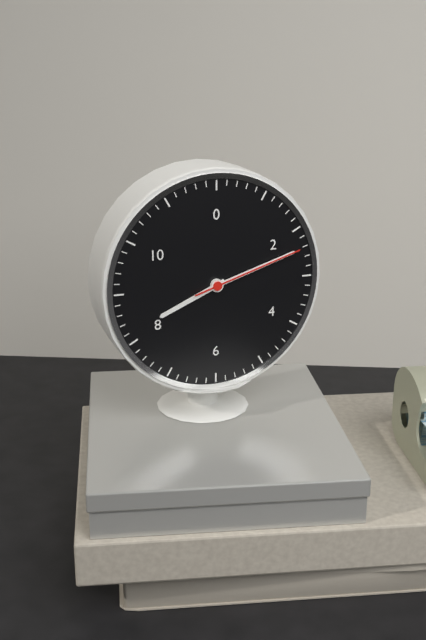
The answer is 8h12m12s
